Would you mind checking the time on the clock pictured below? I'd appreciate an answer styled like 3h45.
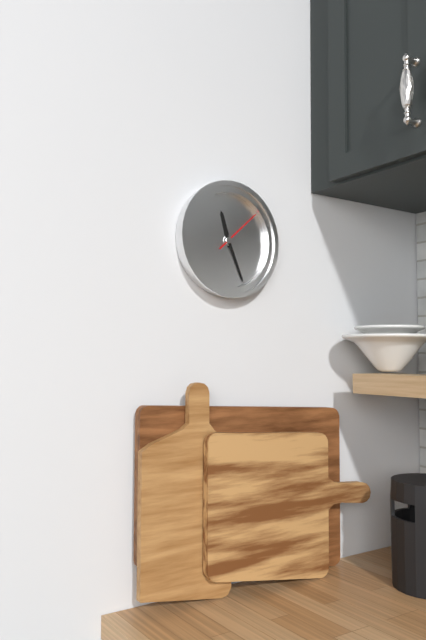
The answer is 11h26
